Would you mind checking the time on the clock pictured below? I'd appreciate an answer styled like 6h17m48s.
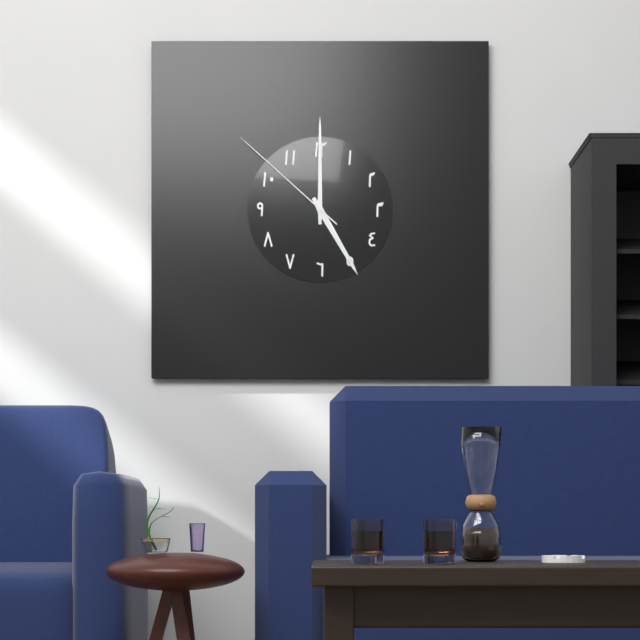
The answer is 5h00m52s
